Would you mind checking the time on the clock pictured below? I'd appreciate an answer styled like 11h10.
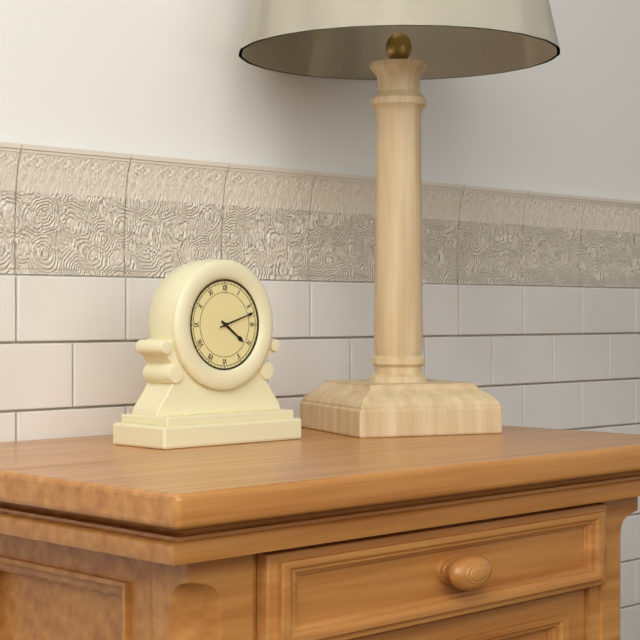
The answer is 4h12
